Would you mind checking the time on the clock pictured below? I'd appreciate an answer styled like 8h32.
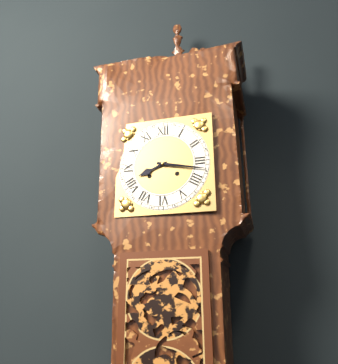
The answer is 8h17
